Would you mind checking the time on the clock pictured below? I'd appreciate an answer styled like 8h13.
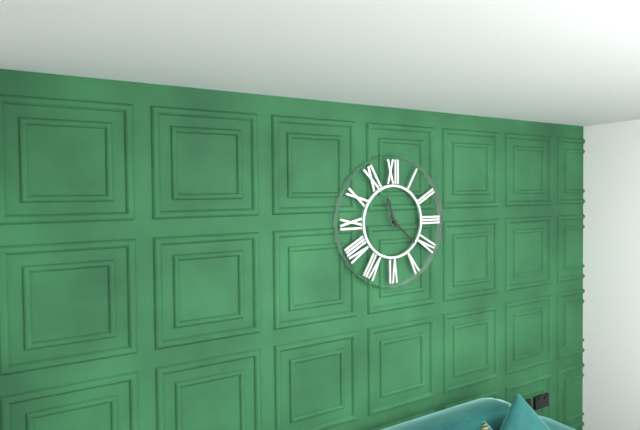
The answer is 11h22
